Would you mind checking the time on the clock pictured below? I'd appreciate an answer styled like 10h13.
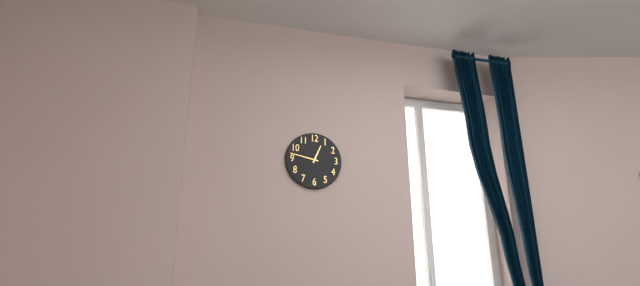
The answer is 12h47
